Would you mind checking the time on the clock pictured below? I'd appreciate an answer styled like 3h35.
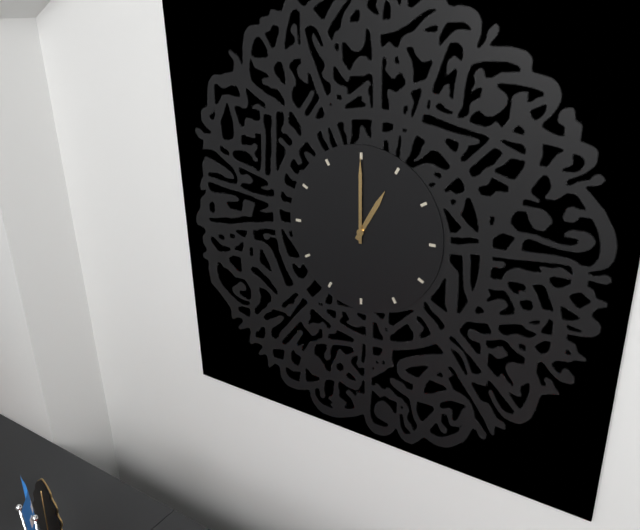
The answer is 1h00
